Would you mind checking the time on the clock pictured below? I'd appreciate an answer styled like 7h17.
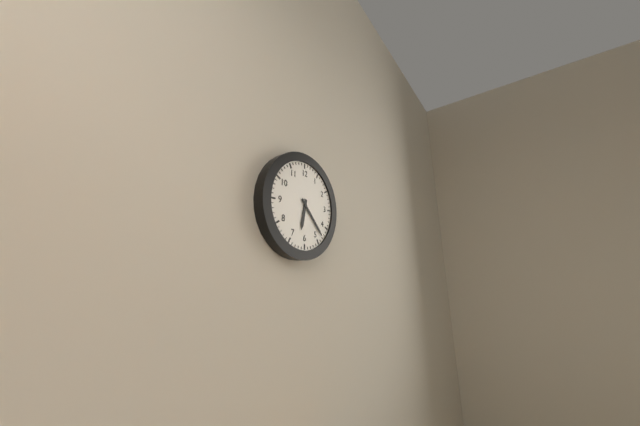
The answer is 6h23
